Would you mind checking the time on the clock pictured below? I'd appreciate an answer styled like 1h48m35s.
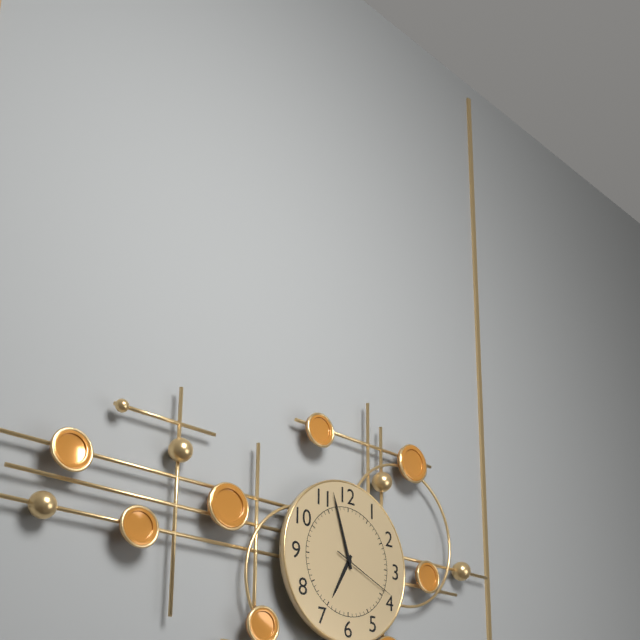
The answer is 6h57m19s
